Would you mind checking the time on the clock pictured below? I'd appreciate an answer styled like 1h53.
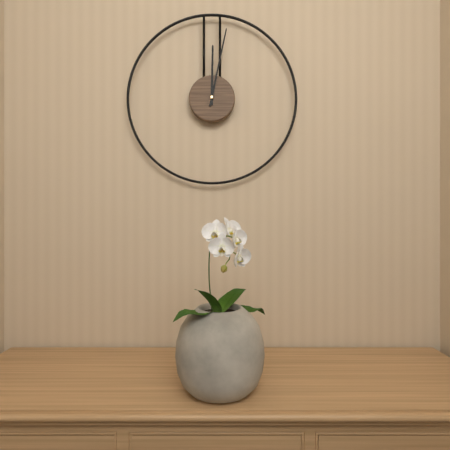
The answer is 12h02
